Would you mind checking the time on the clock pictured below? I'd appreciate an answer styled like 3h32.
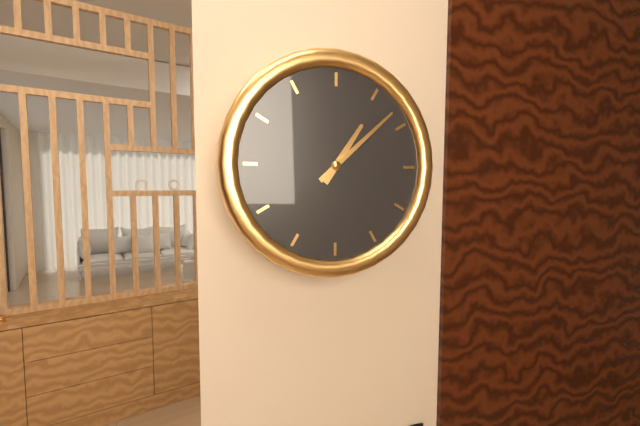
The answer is 1h08
